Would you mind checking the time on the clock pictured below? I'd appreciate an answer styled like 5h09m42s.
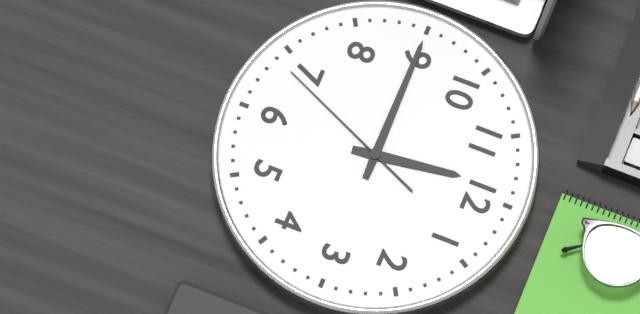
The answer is 11h45m34s
